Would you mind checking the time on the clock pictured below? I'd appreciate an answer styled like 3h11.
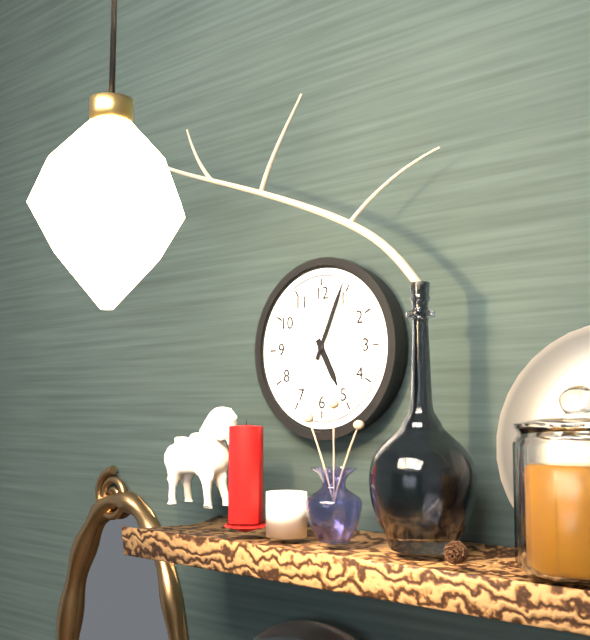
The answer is 5h04
